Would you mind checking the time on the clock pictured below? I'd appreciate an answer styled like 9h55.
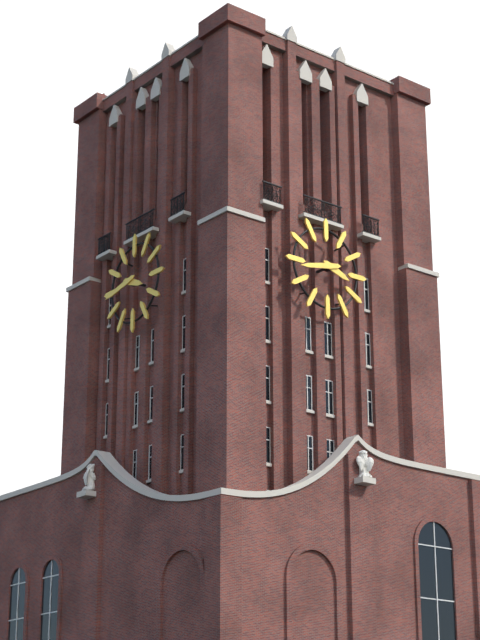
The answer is 3h43
